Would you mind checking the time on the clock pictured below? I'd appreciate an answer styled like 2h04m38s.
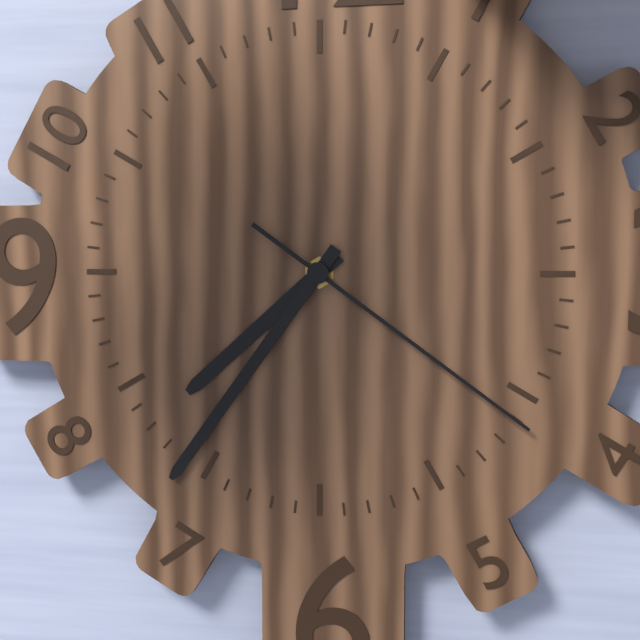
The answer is 7h36m21s
